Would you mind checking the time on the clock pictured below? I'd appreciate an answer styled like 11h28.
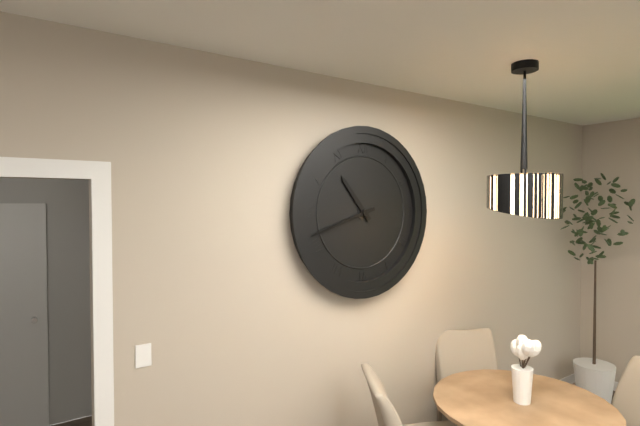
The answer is 10h42
